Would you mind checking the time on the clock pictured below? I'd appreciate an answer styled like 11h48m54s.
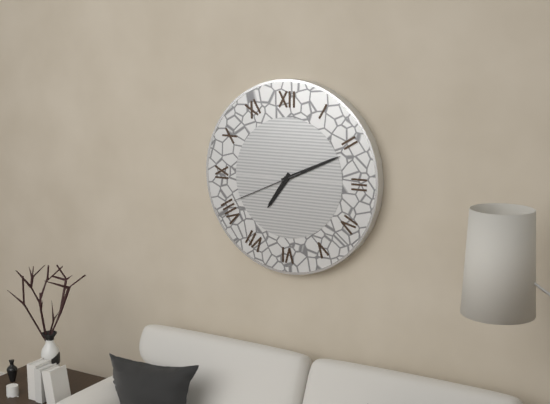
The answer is 7h11m41s
